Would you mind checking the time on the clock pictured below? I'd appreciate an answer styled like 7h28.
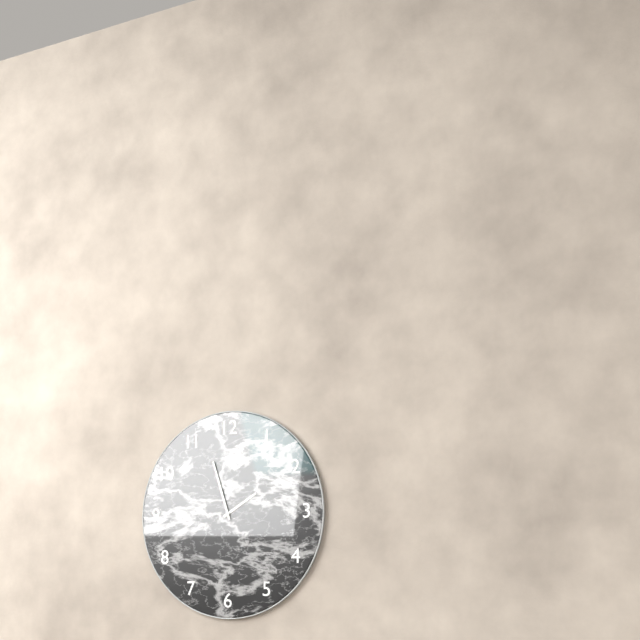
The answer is 1h57
